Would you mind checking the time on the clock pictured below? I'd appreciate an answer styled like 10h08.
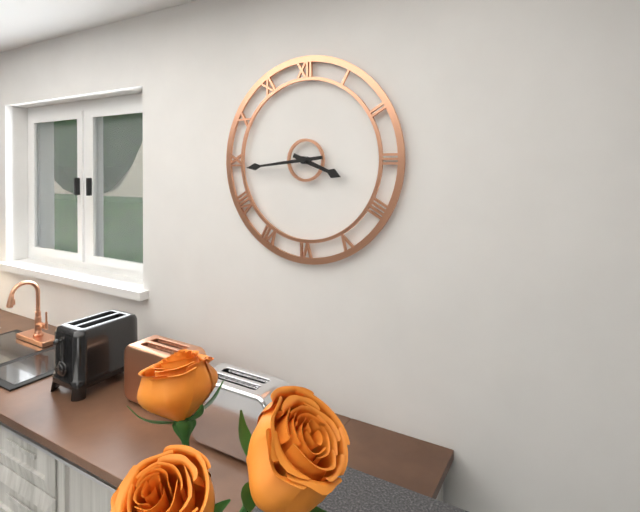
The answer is 3h44
